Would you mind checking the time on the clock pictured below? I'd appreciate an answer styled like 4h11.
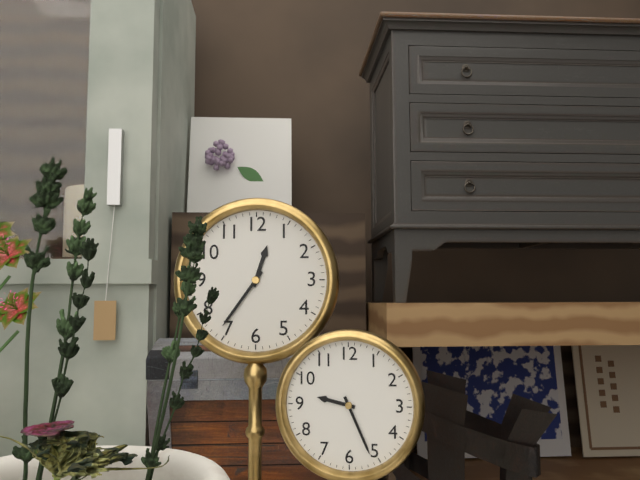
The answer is 12h36
